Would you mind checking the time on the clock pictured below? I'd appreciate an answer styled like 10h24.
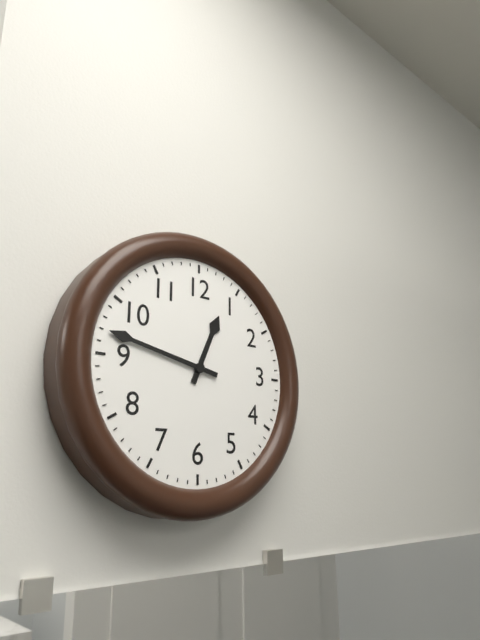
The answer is 12h47
